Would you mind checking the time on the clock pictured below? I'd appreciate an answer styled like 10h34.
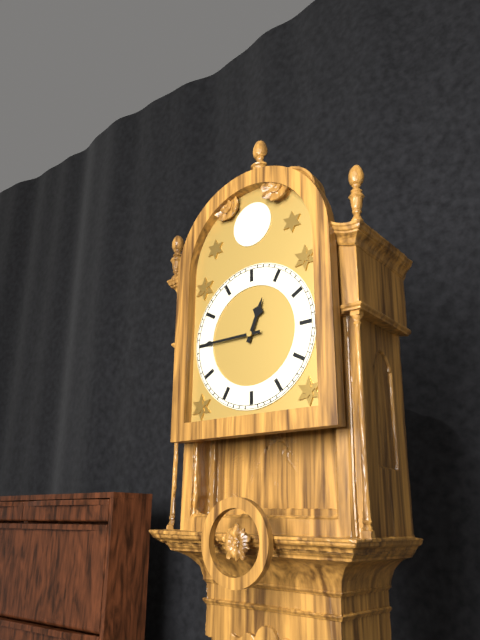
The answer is 12h45
